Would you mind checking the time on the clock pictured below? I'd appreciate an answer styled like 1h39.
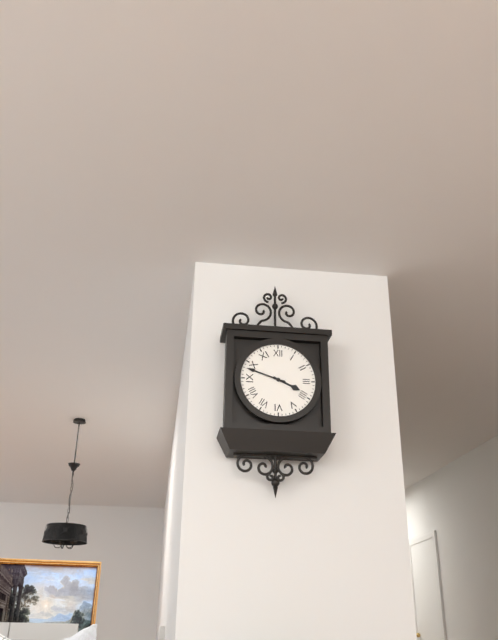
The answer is 3h48
